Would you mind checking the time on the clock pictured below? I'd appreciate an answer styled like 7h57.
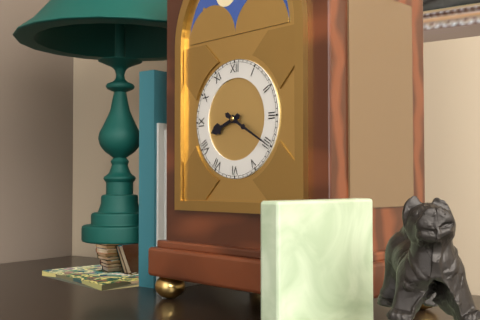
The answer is 8h20
